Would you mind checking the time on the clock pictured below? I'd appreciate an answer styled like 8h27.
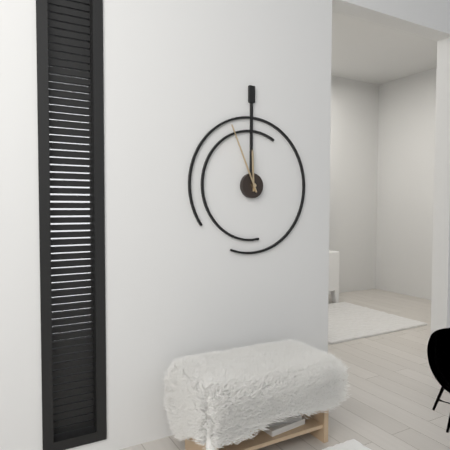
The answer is 11h56
